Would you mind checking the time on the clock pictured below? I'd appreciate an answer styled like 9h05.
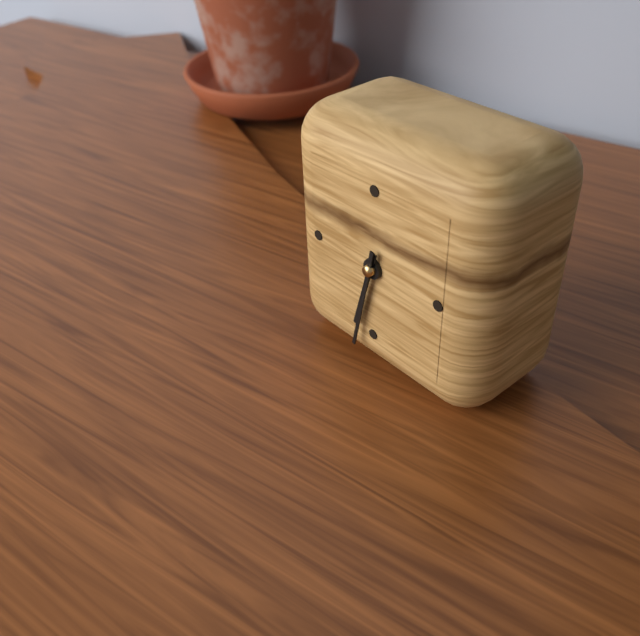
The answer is 6h32
